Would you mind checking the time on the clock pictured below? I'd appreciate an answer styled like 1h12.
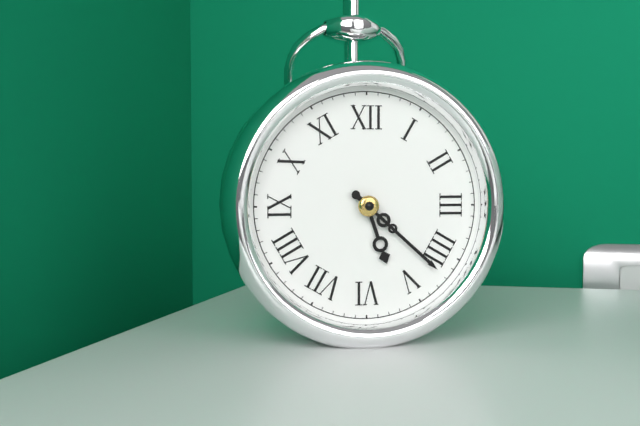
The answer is 5h22
